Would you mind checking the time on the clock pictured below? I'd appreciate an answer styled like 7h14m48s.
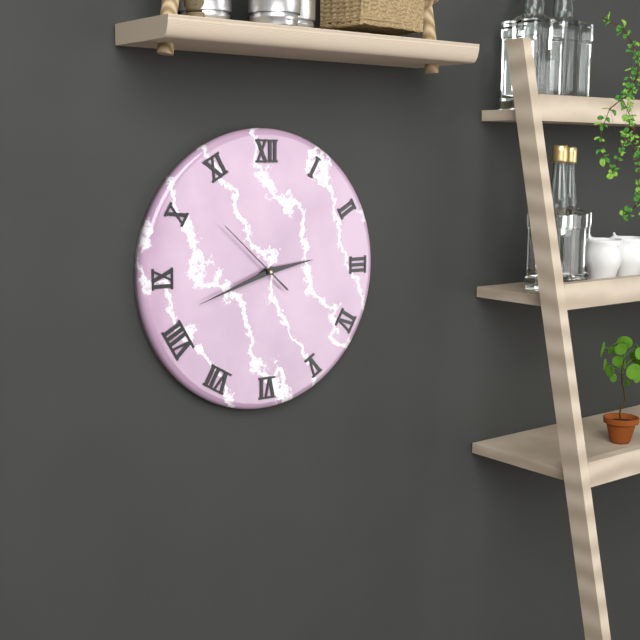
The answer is 2h42m52s
